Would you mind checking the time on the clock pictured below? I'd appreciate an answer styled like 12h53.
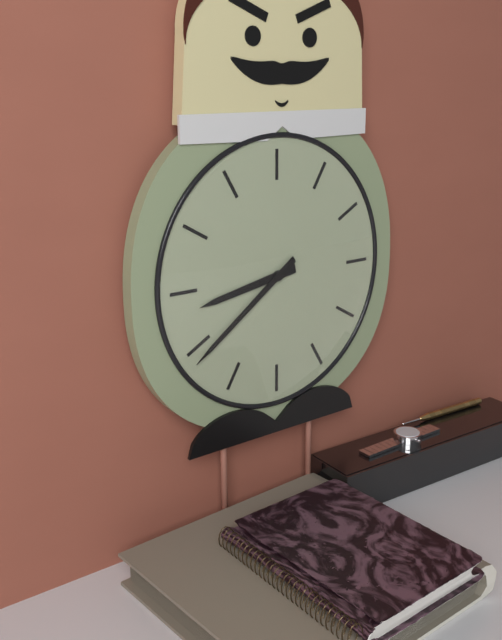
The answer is 8h39
